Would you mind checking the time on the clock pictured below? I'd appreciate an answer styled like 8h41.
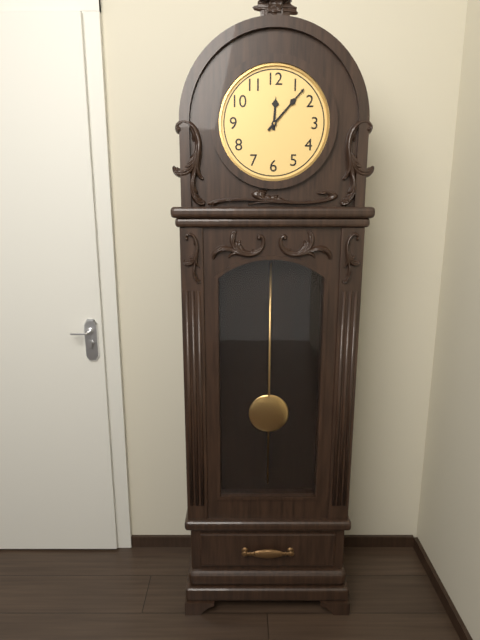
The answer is 12h07
